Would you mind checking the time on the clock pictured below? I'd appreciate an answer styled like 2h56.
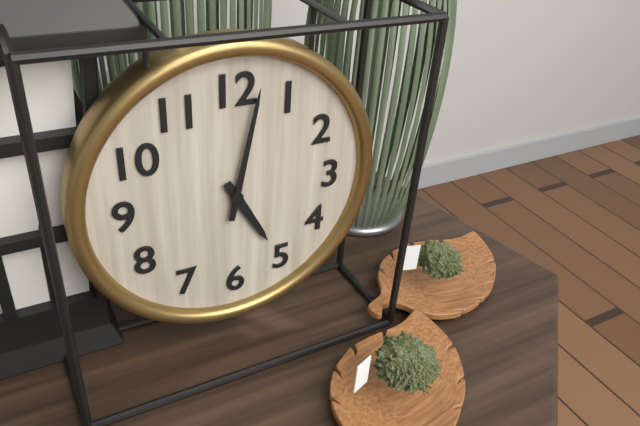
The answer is 5h02
